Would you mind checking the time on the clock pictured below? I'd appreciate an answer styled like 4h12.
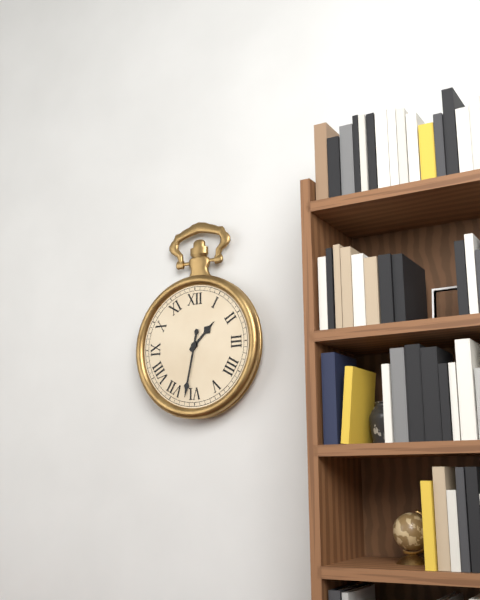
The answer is 1h32
